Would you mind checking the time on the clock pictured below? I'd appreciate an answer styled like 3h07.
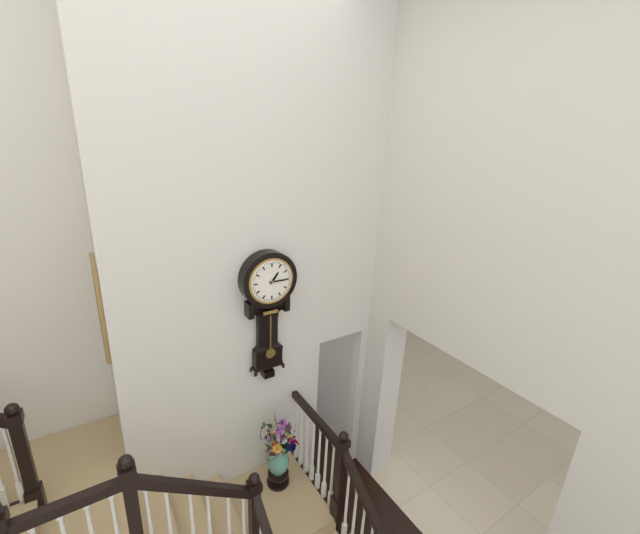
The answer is 1h15
